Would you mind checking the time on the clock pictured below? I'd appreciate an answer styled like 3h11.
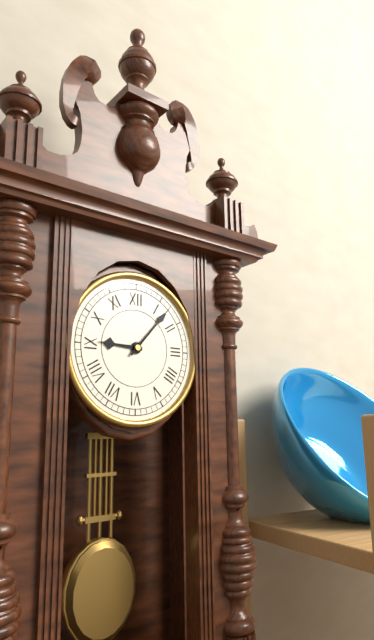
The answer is 9h07
